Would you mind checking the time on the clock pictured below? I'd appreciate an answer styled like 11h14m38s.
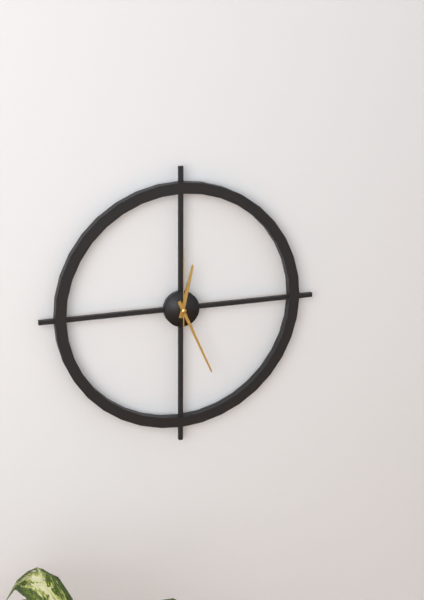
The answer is 12h26m00s
